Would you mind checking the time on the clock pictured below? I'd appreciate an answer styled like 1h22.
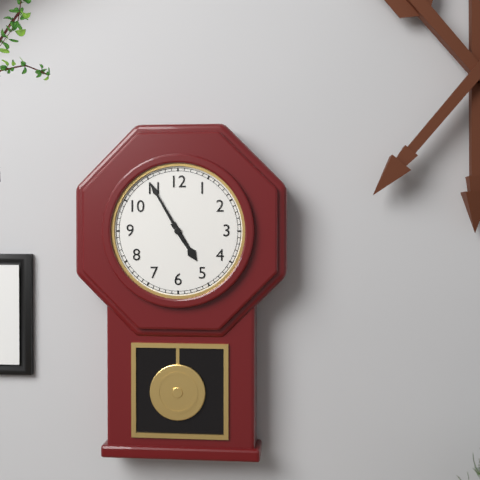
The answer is 4h55
